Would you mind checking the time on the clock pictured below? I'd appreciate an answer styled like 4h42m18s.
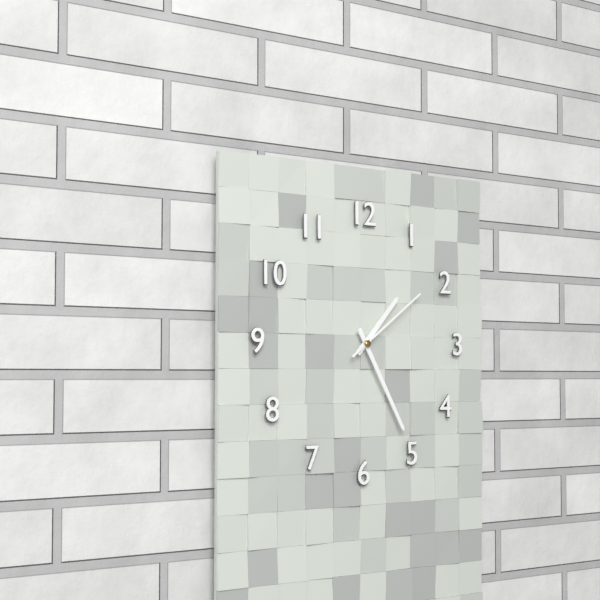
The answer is 1h25m09s
